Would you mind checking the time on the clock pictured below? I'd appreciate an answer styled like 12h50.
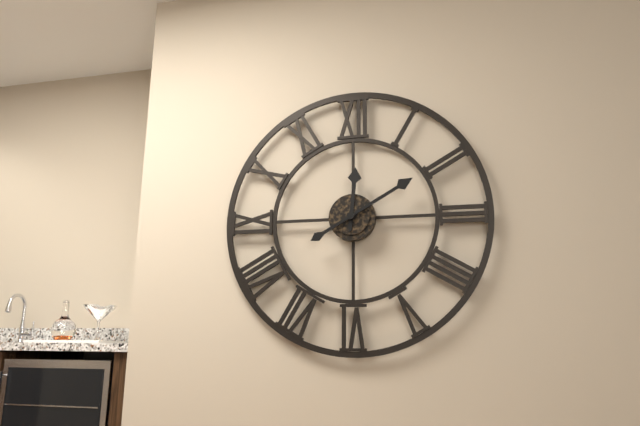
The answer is 12h10
